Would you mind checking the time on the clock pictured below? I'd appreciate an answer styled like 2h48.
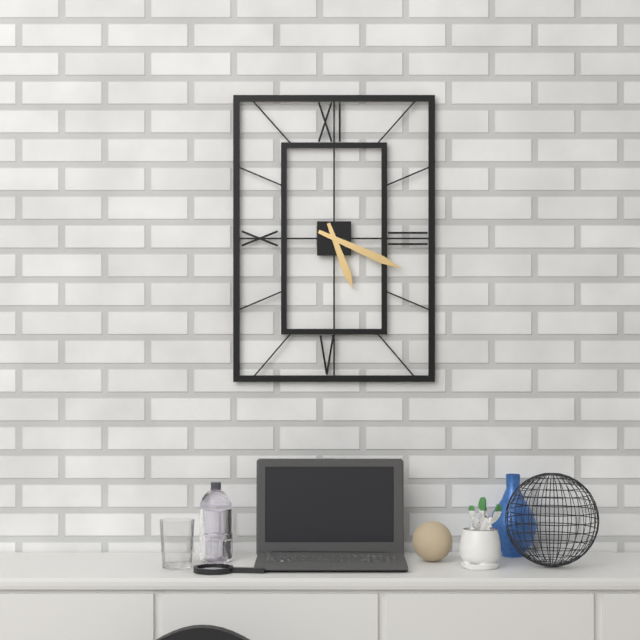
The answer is 5h19
